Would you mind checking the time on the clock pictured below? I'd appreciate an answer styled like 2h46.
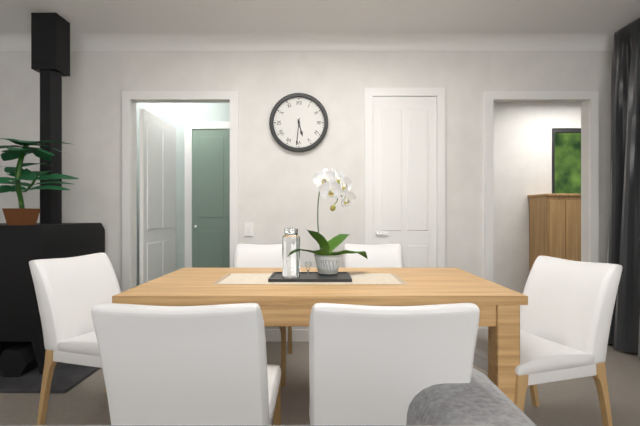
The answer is 5h31
